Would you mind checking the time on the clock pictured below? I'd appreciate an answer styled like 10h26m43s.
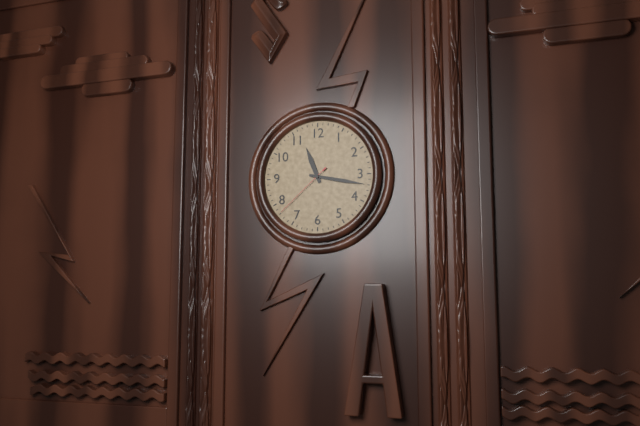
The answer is 11h17m38s
